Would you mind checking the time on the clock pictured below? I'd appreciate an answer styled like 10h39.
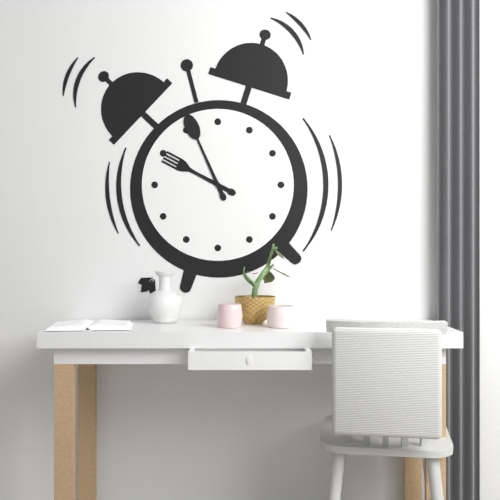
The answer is 9h56
